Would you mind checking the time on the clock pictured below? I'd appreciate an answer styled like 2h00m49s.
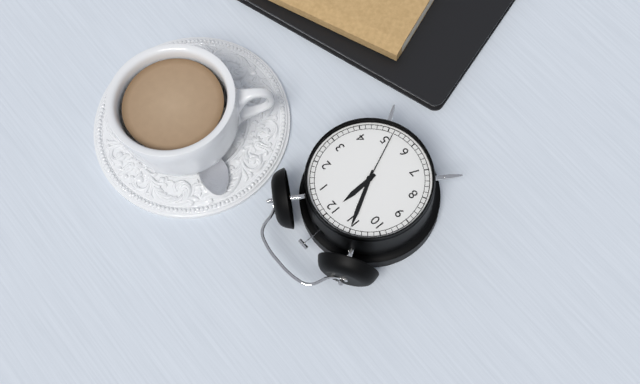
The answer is 11h55m26s
